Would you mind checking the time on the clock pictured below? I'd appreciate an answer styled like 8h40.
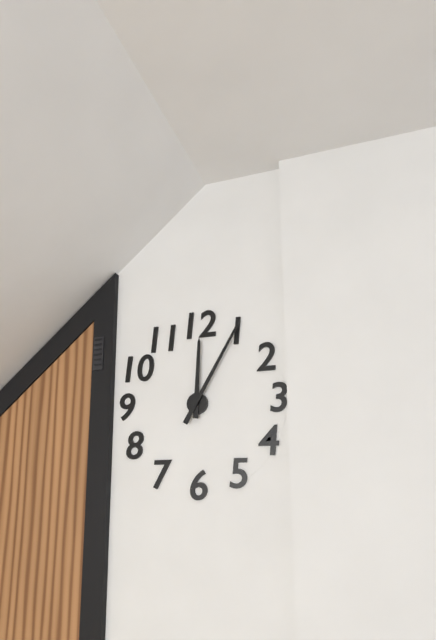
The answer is 12h05
